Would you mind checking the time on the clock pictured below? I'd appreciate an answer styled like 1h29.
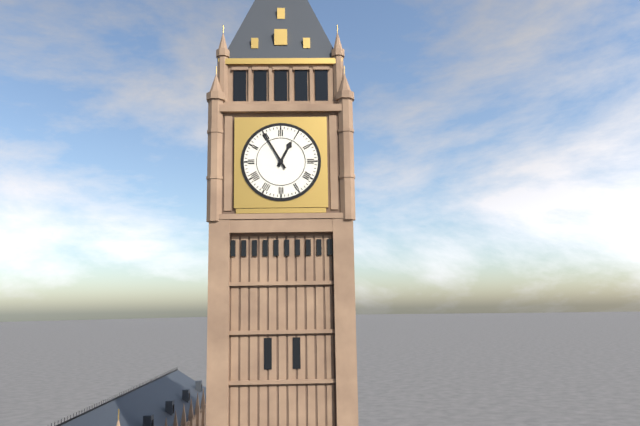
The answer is 12h55
